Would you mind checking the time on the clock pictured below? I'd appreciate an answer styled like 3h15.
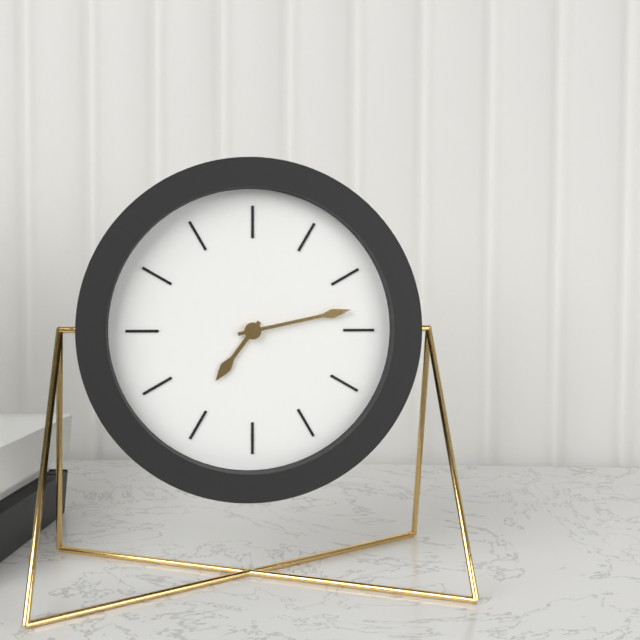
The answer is 7h13
